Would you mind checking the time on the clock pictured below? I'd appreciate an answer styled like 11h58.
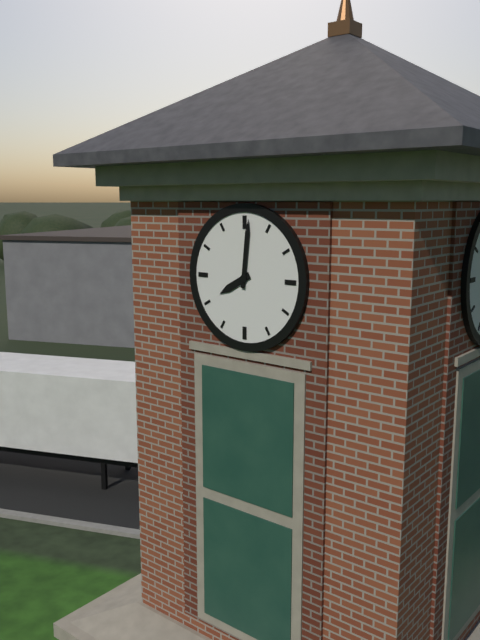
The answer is 8h01
